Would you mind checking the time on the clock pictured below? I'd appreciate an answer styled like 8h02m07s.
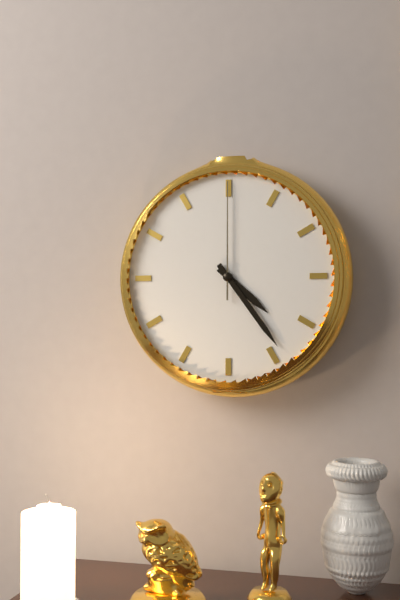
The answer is 4h24m00s
